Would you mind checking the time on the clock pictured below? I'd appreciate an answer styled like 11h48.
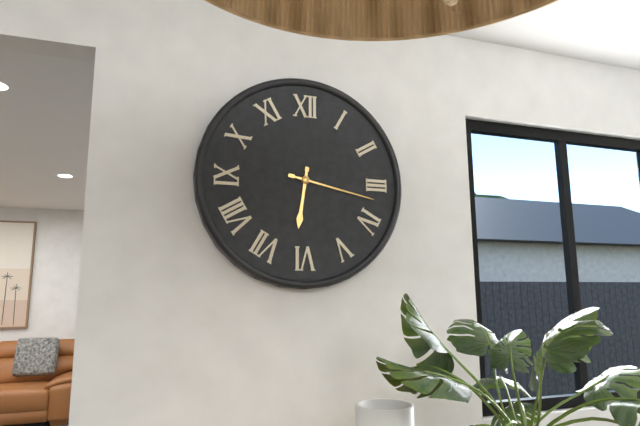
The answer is 6h17
